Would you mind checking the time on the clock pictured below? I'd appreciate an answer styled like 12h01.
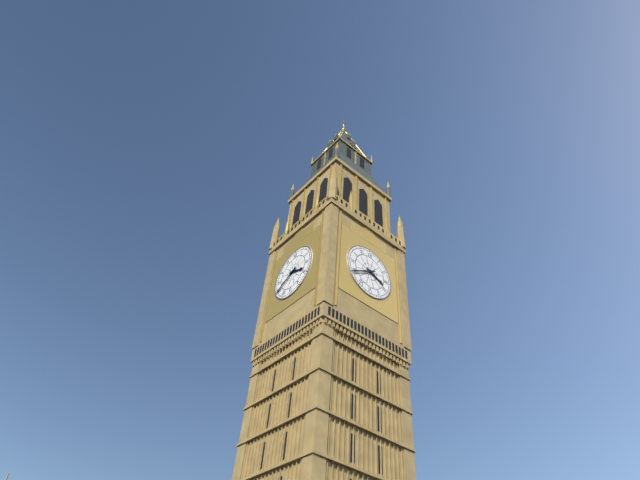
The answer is 3h40
